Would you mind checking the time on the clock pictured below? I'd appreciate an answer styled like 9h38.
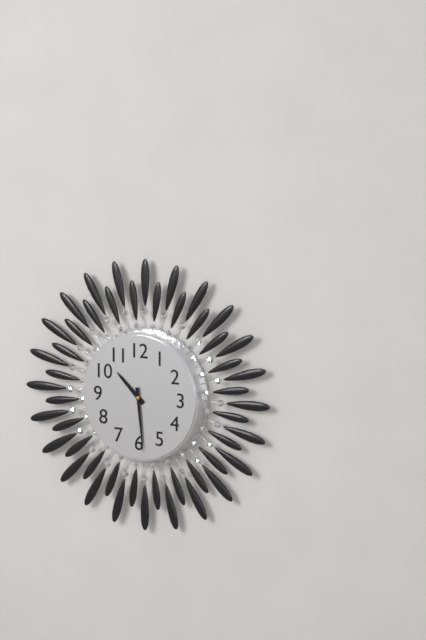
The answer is 10h29
